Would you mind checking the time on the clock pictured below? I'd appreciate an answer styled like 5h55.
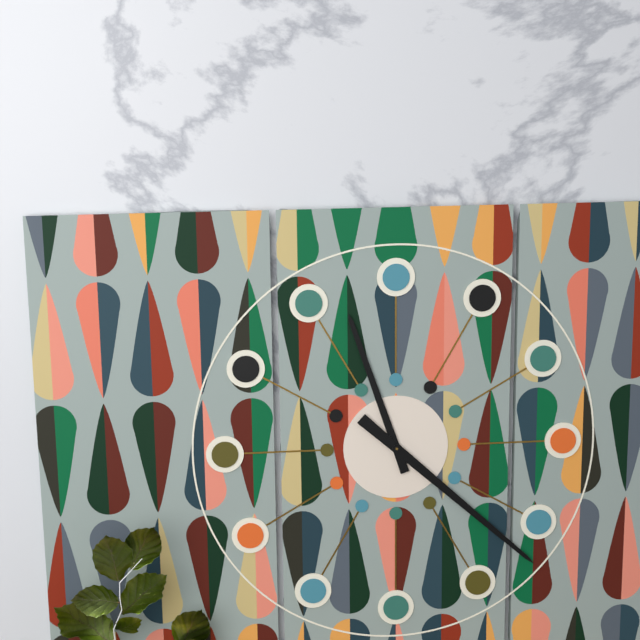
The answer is 11h22
